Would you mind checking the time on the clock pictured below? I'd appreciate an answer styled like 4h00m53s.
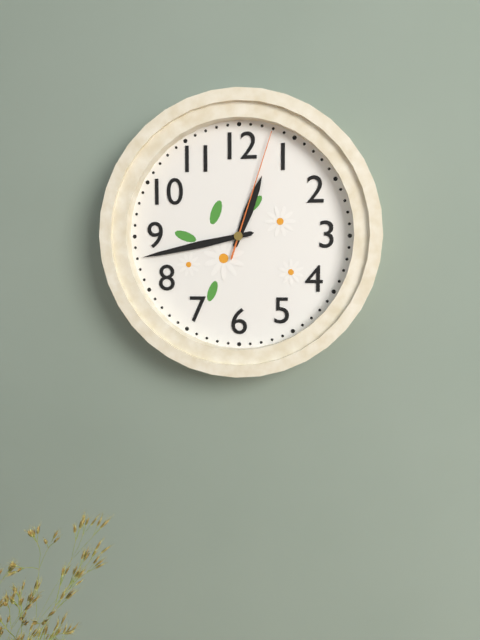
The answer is 12h43m03s
